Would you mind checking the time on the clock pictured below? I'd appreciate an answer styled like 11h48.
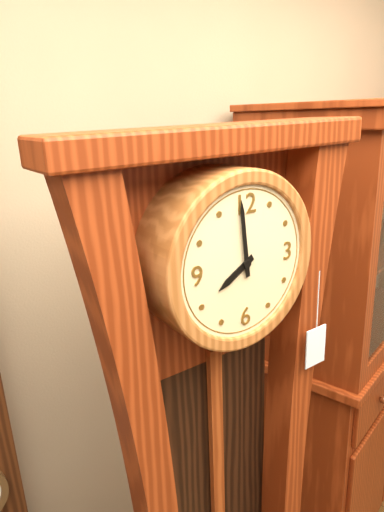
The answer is 7h59
